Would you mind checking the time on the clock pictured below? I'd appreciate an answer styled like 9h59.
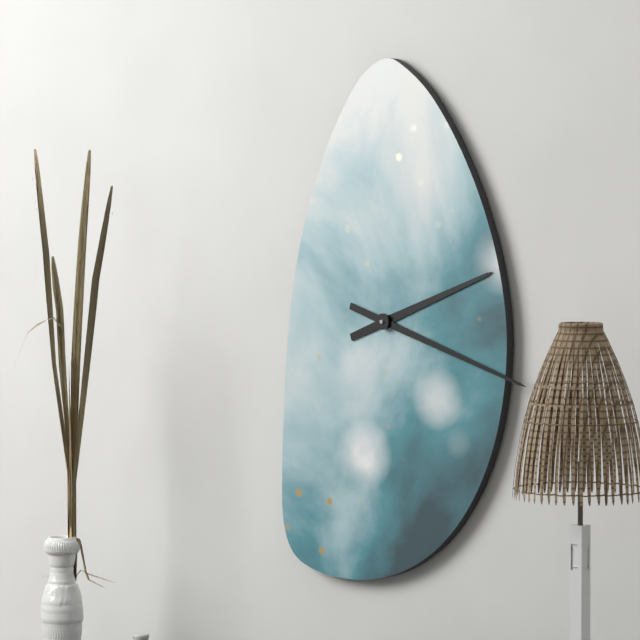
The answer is 2h18
